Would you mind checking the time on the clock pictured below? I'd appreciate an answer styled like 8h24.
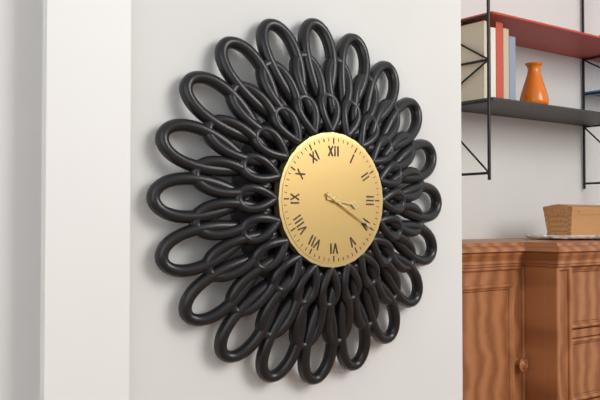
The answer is 3h20
